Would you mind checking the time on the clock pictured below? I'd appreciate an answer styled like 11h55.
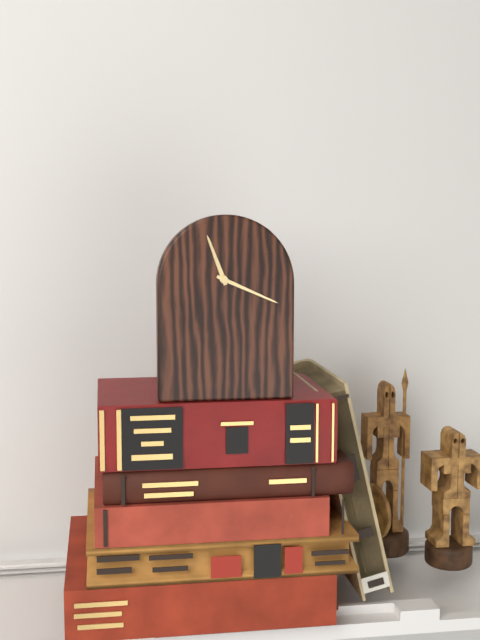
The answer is 11h19
